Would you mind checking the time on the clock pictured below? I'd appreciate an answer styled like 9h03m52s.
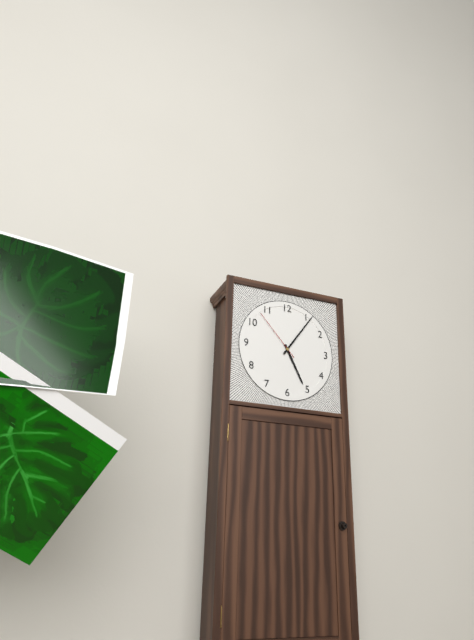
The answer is 5h06m53s
